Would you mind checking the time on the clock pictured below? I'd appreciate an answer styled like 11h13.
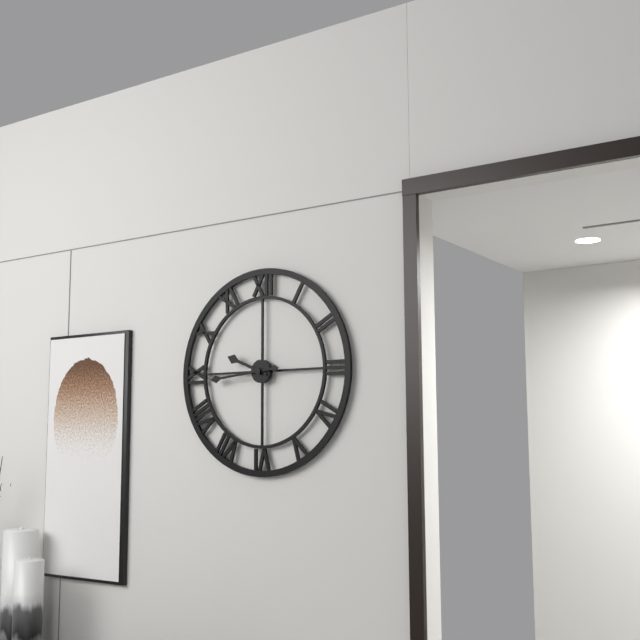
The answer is 9h44
